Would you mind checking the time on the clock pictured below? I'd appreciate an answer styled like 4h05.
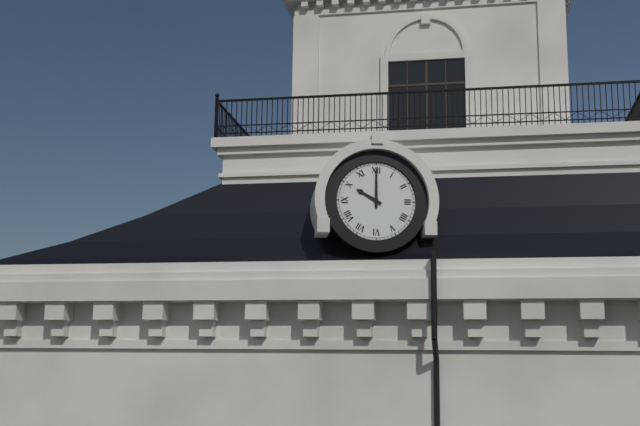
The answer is 10h00
